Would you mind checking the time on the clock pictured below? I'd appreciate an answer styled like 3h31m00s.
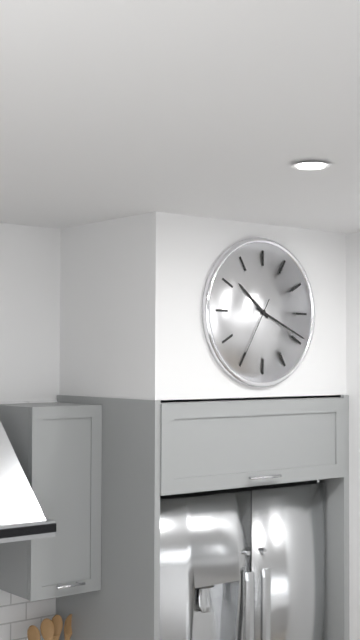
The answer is 10h19m35s
